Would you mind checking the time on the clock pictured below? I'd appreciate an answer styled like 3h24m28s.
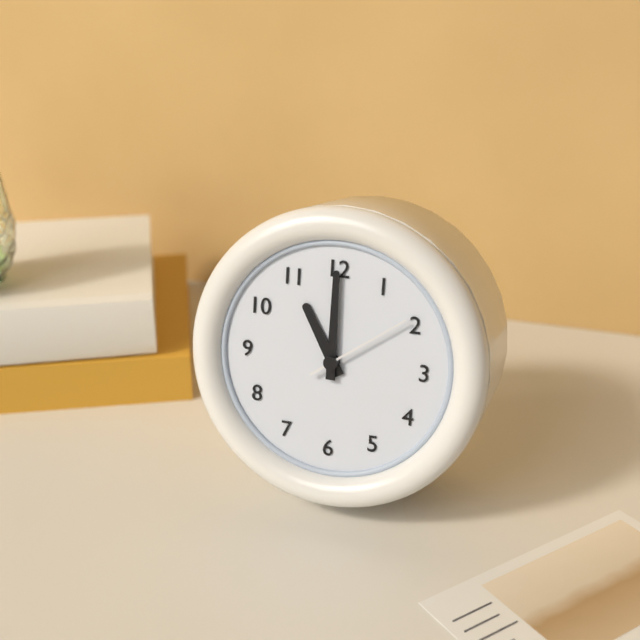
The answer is 11h00m09s
